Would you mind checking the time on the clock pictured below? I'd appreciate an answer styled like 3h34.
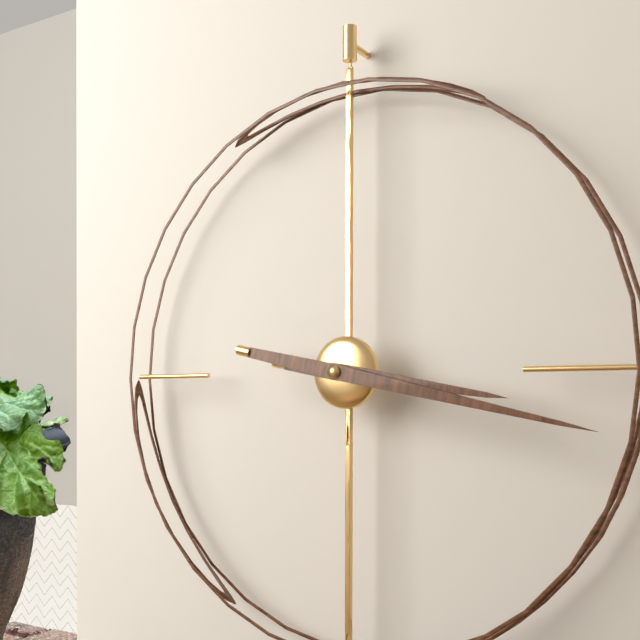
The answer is 3h17
